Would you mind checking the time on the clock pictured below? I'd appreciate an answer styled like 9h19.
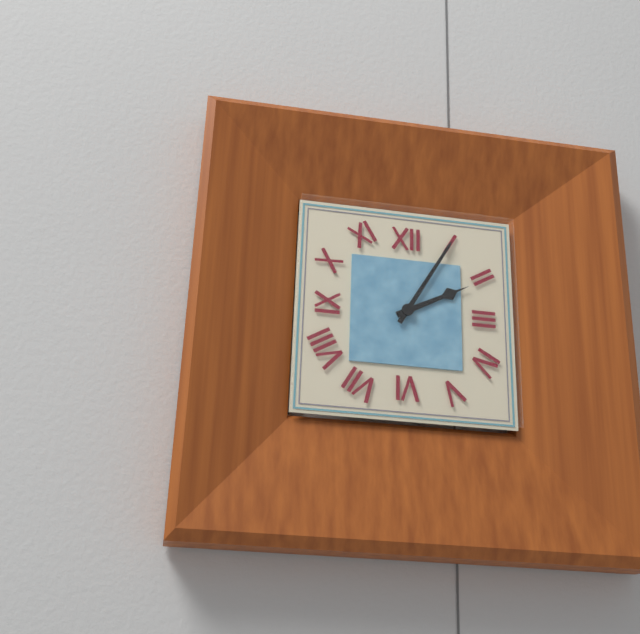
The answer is 2h05
